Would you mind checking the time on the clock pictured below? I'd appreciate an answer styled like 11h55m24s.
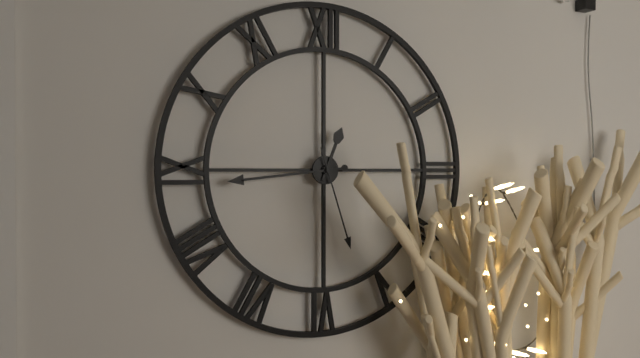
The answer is 12h44m27s
